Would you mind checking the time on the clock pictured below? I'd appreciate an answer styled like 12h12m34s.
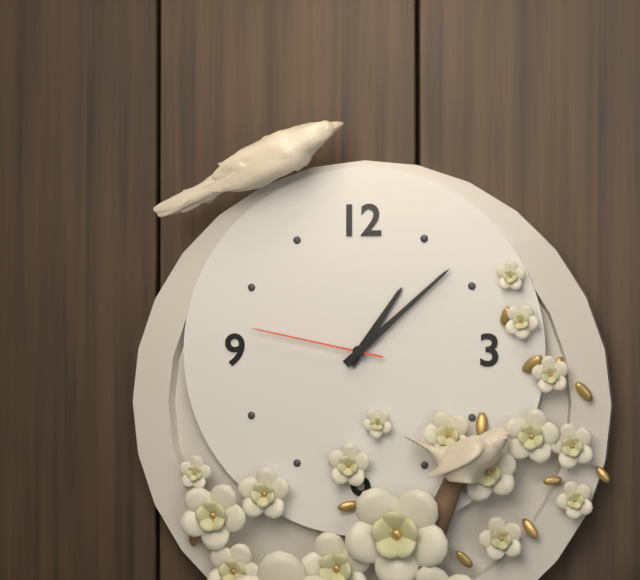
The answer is 1h08m47s
